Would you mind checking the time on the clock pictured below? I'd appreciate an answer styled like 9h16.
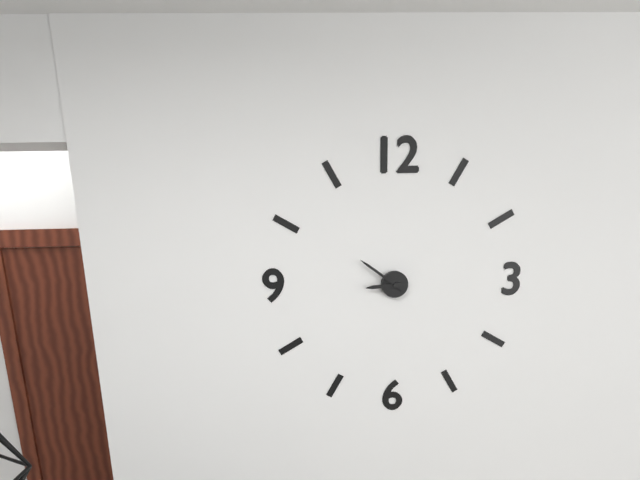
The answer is 8h51
